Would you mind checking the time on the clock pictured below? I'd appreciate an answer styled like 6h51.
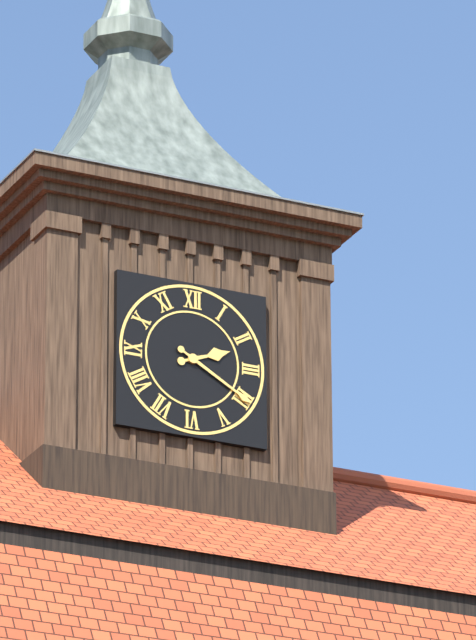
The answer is 2h20
